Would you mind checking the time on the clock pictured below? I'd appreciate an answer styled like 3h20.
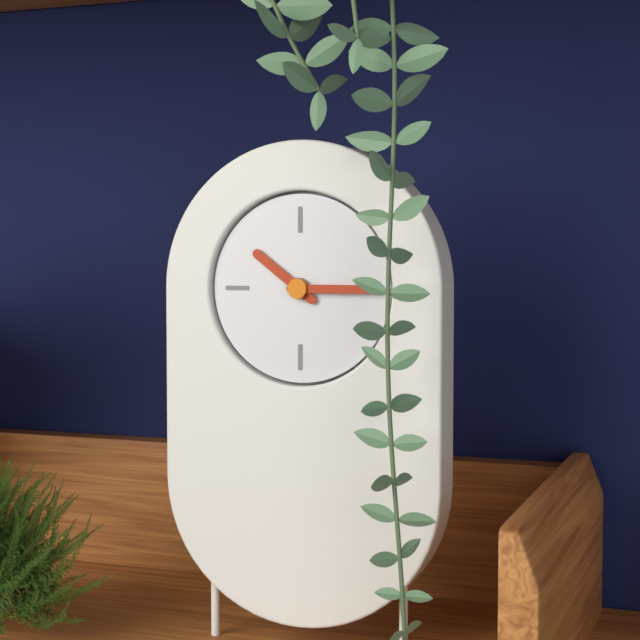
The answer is 10h15
